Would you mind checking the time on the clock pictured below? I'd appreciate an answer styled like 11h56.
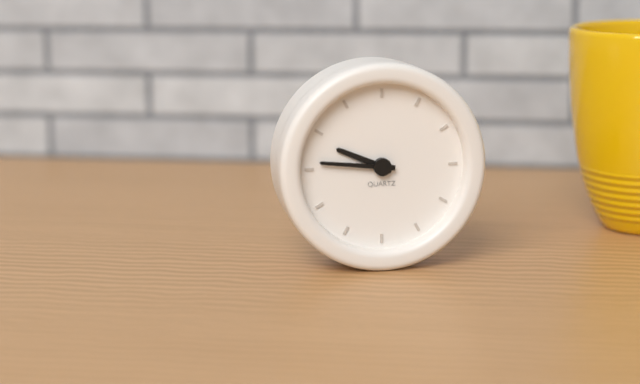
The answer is 9h46
